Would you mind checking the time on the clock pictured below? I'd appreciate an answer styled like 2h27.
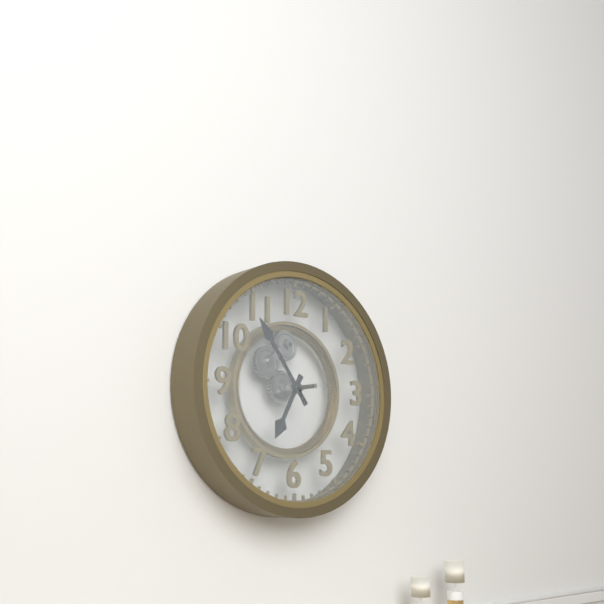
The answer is 6h54
